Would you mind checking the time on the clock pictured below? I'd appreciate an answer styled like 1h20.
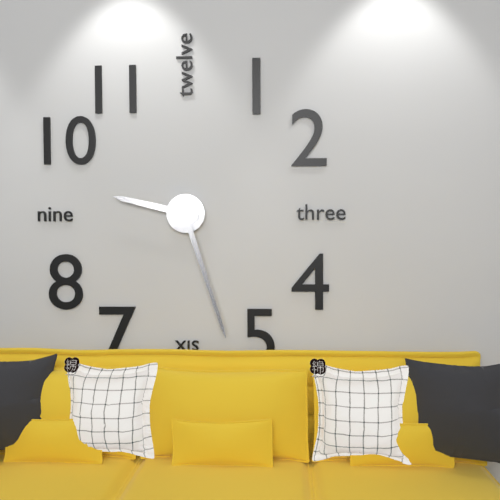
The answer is 9h27
